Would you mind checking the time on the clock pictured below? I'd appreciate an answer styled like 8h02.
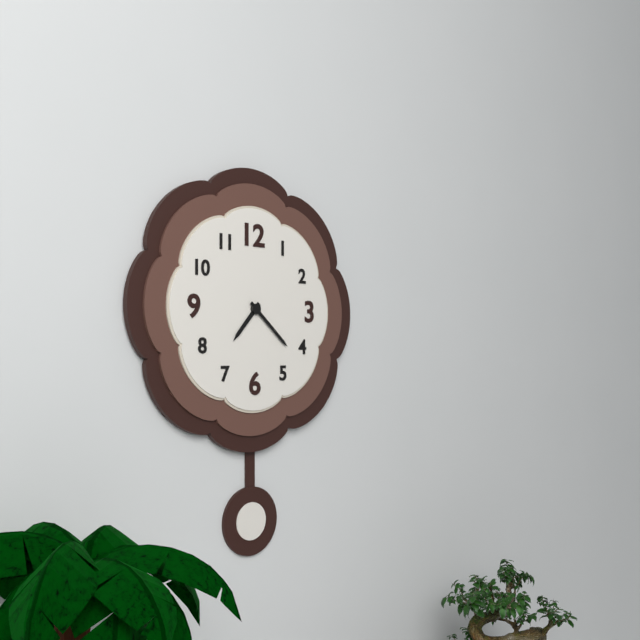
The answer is 7h22
